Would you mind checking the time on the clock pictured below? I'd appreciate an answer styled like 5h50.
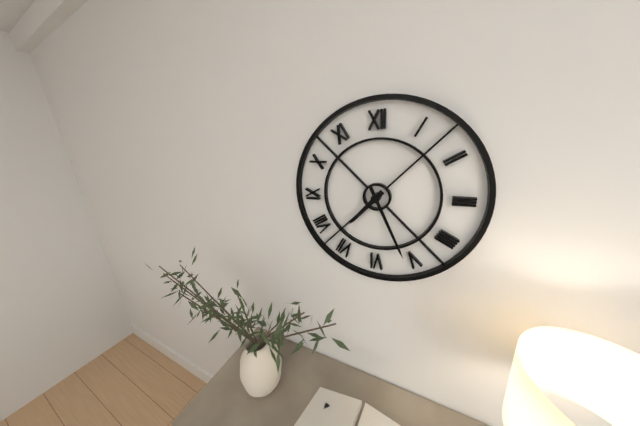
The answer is 7h26
